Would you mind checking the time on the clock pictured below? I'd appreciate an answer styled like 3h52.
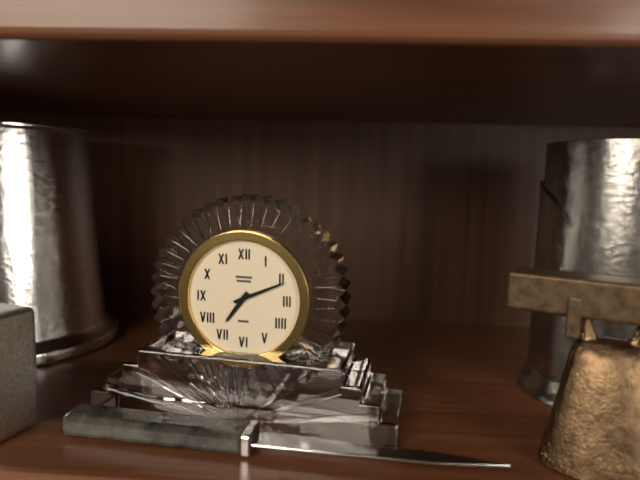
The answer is 7h11
